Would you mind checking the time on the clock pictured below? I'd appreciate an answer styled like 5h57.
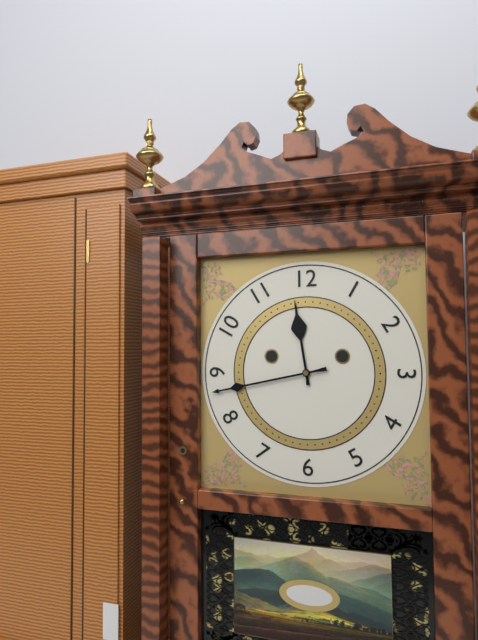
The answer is 11h43
